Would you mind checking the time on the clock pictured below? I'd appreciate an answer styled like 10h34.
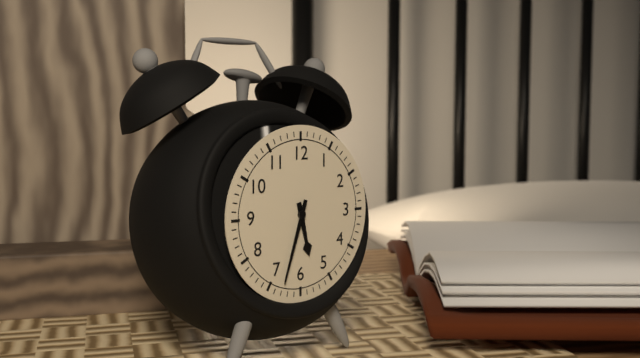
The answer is 5h33
